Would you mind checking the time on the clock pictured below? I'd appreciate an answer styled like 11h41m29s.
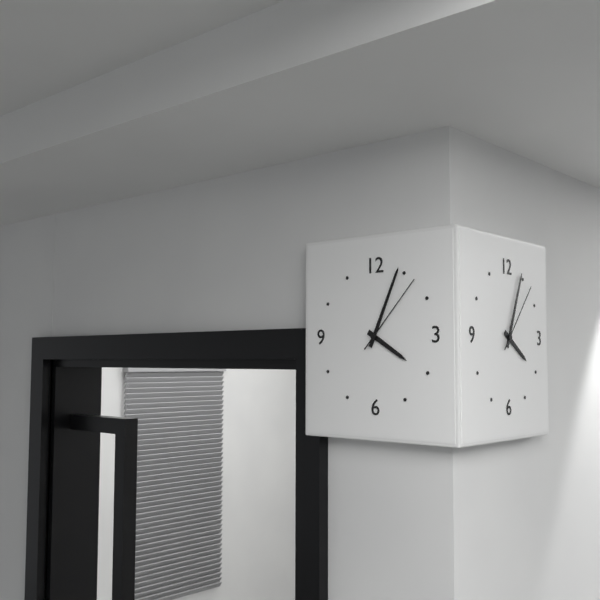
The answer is 4h04m07s
